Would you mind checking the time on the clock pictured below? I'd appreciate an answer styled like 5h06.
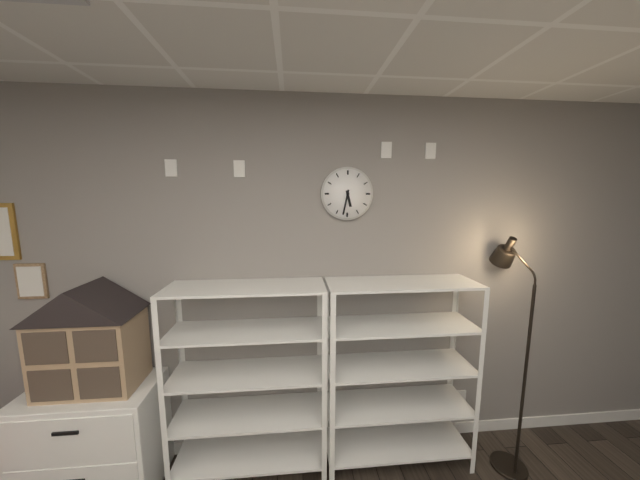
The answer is 5h32
